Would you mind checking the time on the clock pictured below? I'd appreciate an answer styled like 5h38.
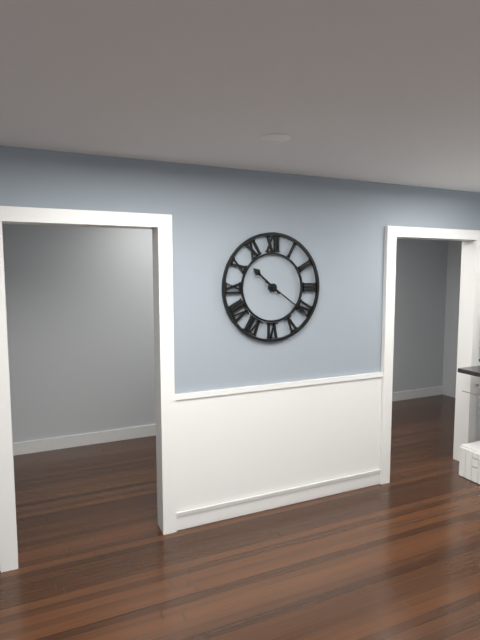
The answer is 10h21
